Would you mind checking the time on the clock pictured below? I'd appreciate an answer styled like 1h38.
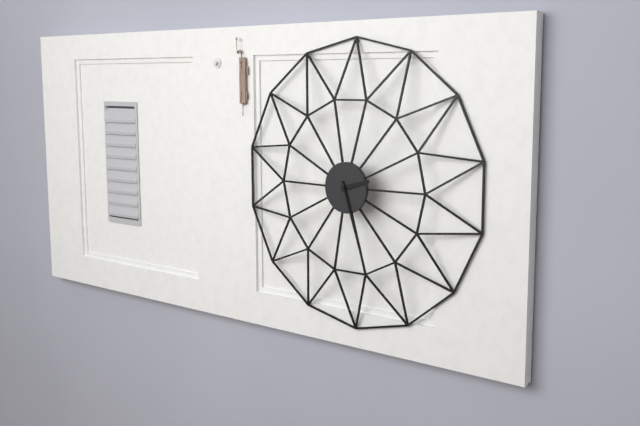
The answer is 2h27
